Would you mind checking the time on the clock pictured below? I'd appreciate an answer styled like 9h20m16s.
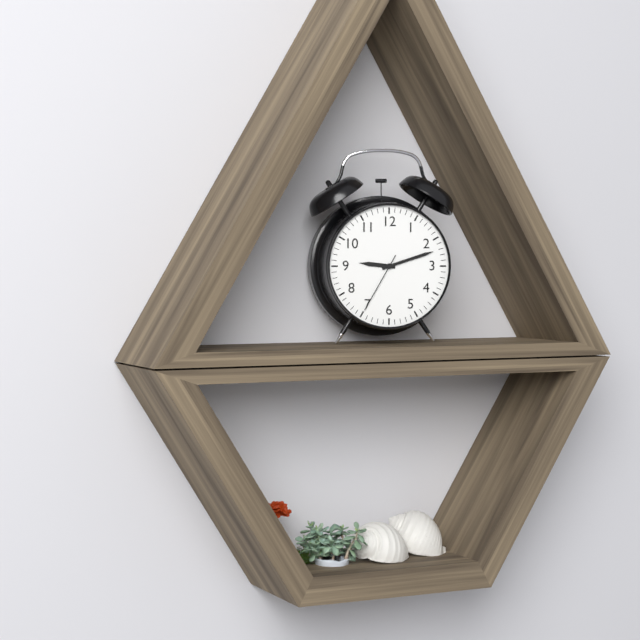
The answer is 9h12m35s
